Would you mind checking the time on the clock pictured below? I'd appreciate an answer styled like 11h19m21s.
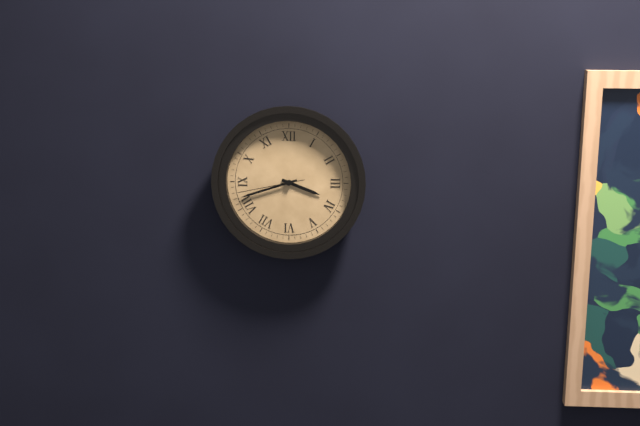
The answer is 3h42m43s
